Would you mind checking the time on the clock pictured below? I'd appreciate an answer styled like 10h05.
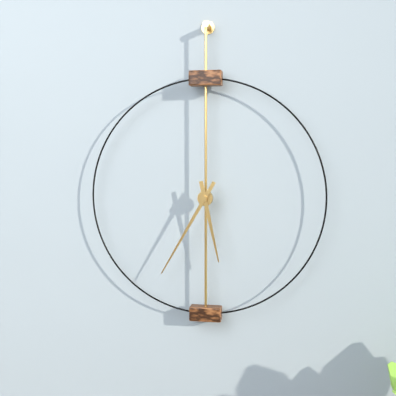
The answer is 5h35
